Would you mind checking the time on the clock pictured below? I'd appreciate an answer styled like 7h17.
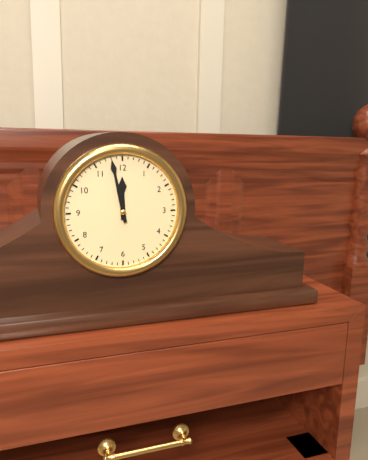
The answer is 11h58
